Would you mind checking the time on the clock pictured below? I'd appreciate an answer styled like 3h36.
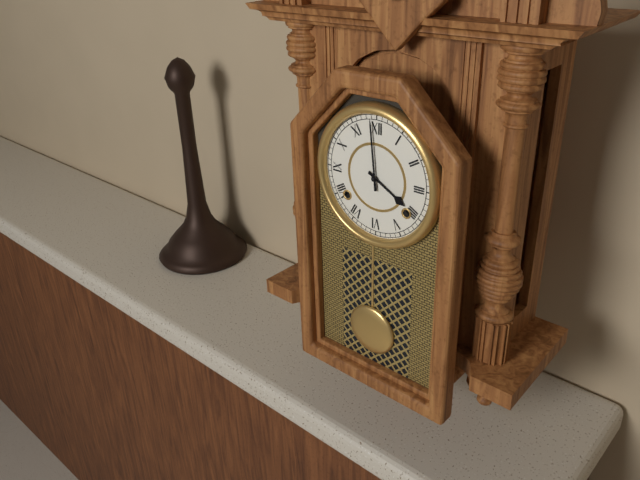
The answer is 3h59
